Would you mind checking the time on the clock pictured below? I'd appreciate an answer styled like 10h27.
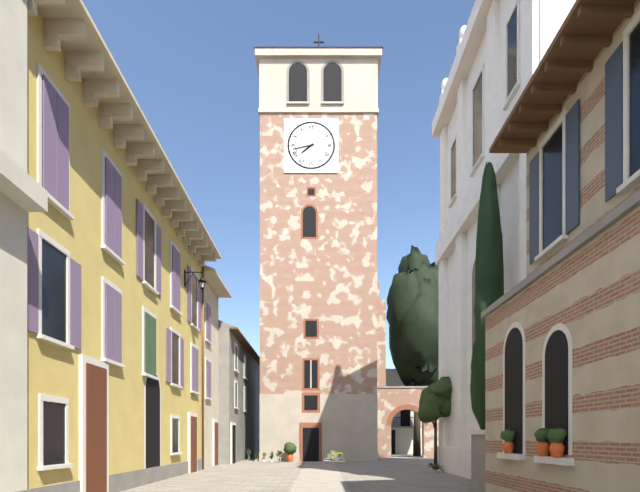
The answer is 7h43
